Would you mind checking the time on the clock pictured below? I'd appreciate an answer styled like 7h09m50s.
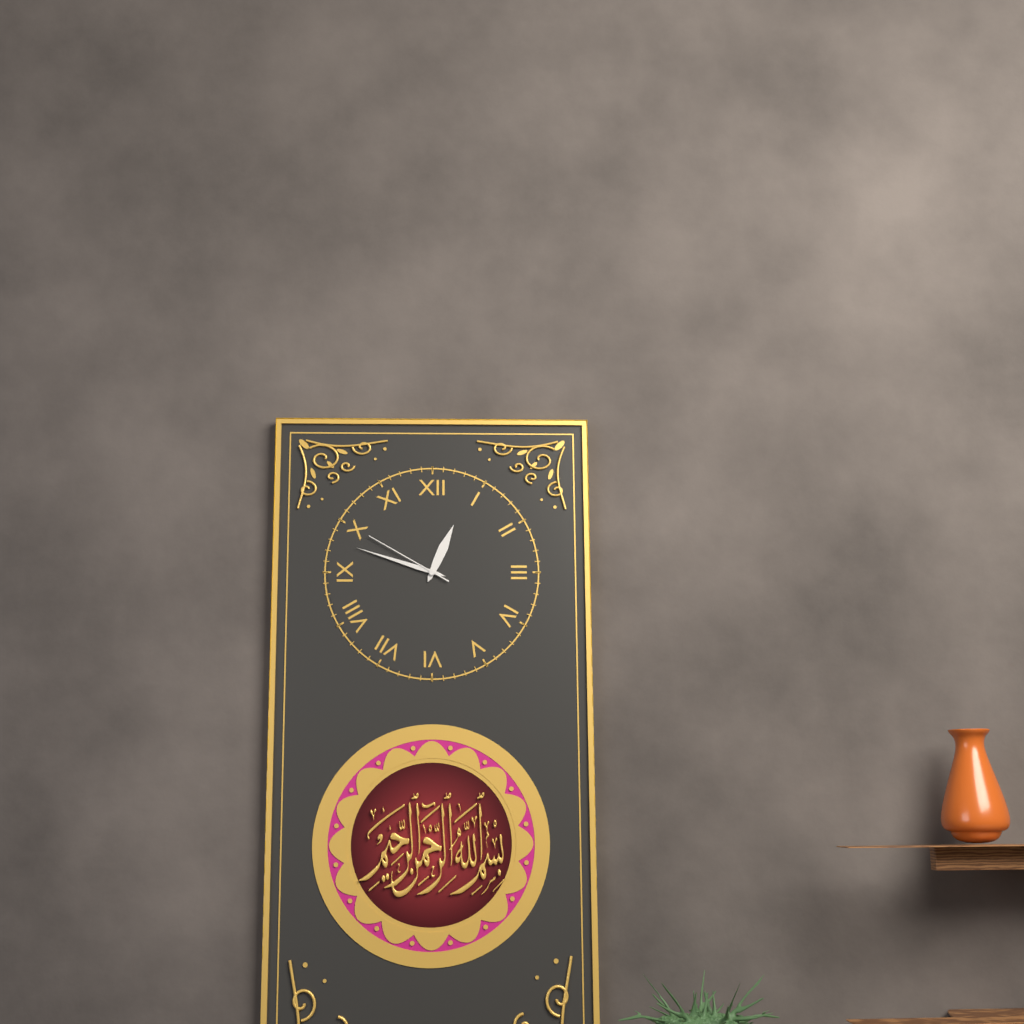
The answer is 12h48m50s
